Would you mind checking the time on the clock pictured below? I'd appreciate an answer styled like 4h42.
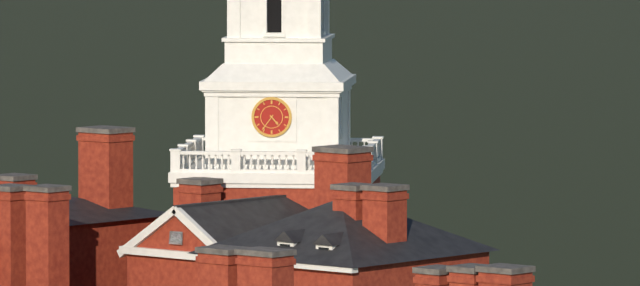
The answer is 4h36
